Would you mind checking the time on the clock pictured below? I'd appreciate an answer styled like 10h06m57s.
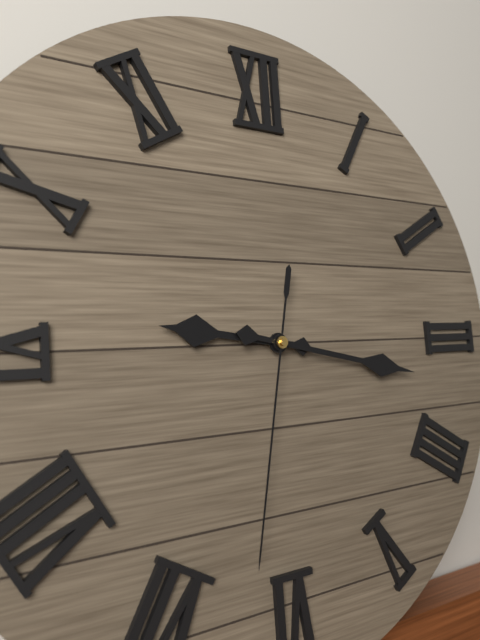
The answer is 9h17m32s
